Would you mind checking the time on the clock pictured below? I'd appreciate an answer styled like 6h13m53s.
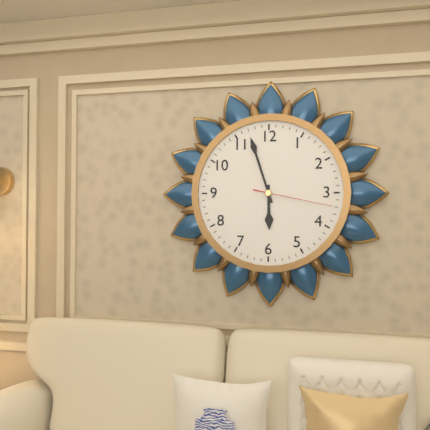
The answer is 5h57m17s
